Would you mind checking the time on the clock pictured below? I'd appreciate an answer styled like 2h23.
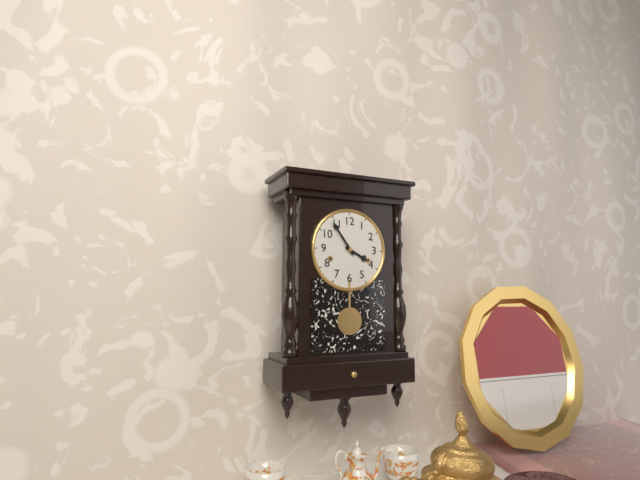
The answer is 3h54
